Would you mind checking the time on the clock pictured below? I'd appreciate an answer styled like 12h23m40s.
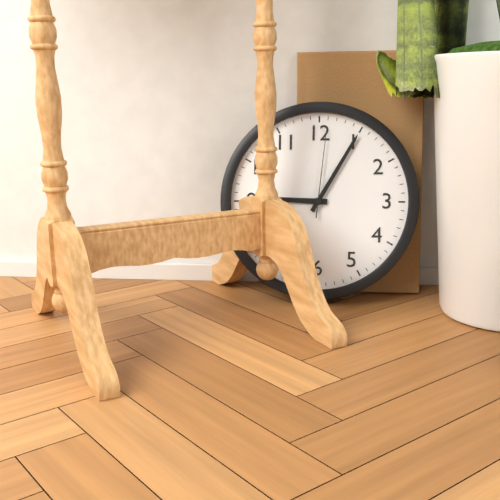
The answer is 9h05m01s
